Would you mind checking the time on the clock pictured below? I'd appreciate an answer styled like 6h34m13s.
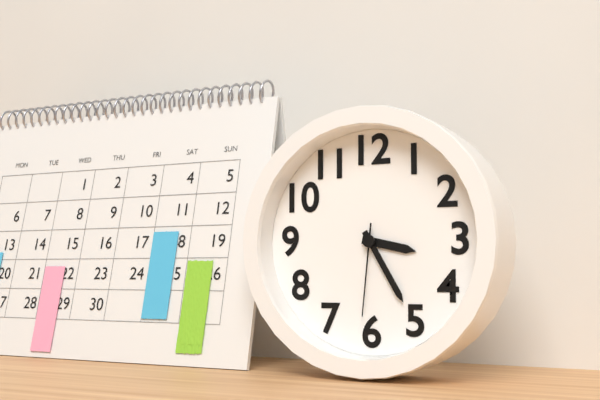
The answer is 3h25m31s
